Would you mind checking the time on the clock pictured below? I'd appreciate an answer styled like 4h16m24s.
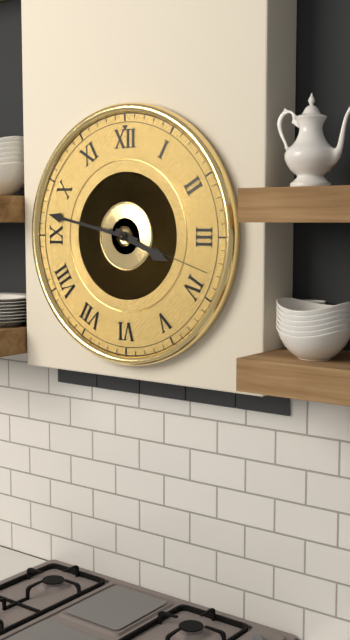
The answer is 3h47m18s
